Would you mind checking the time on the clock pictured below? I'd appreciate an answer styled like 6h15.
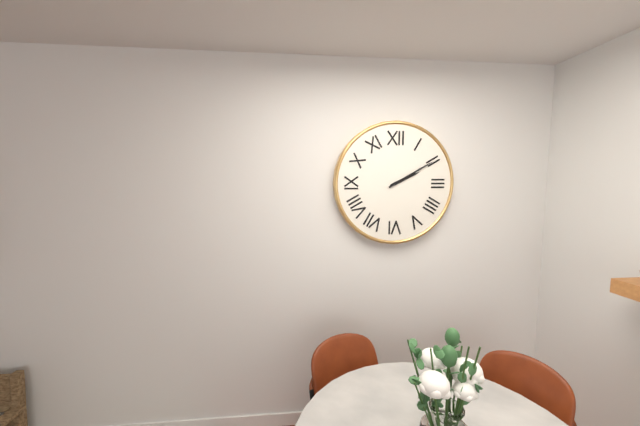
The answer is 2h10
